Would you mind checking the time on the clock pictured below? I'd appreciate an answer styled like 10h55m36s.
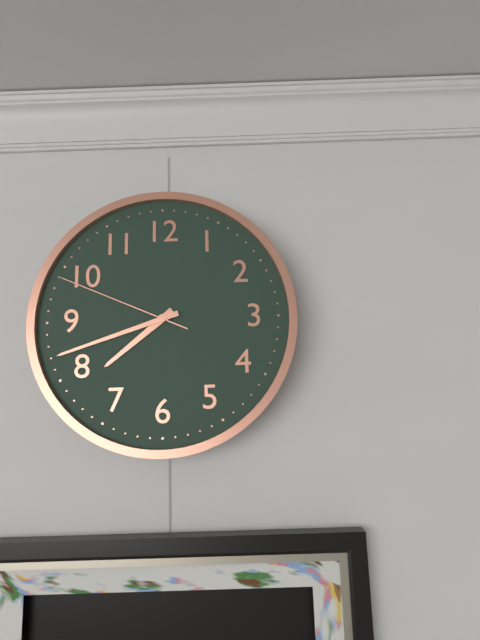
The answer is 7h42m49s
